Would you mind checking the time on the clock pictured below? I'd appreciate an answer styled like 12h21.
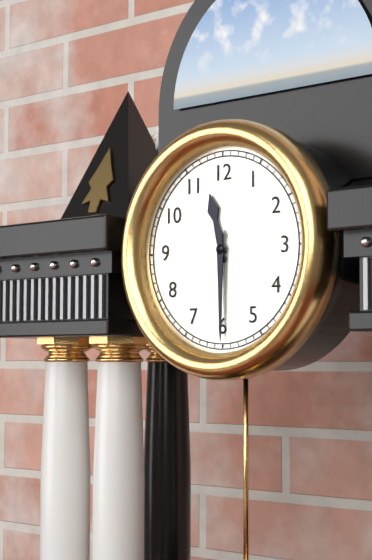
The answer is 11h30
